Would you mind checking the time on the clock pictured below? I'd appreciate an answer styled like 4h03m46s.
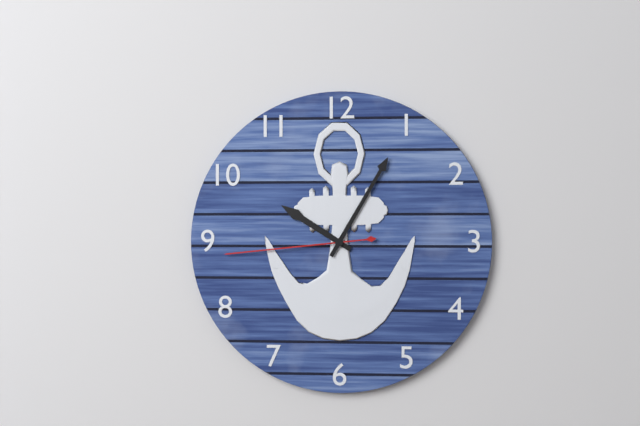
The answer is 10h05m44s
